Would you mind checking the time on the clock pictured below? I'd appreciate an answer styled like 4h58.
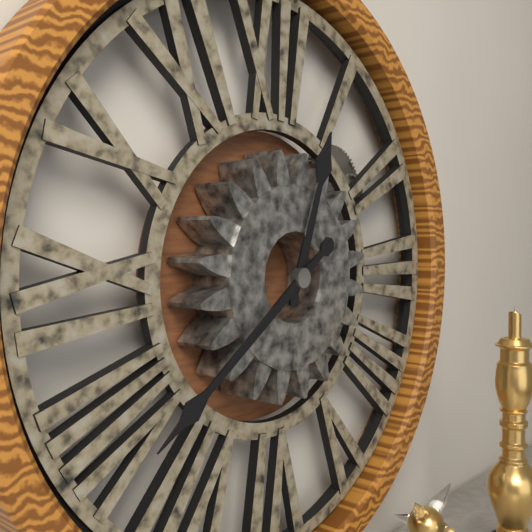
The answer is 12h39
